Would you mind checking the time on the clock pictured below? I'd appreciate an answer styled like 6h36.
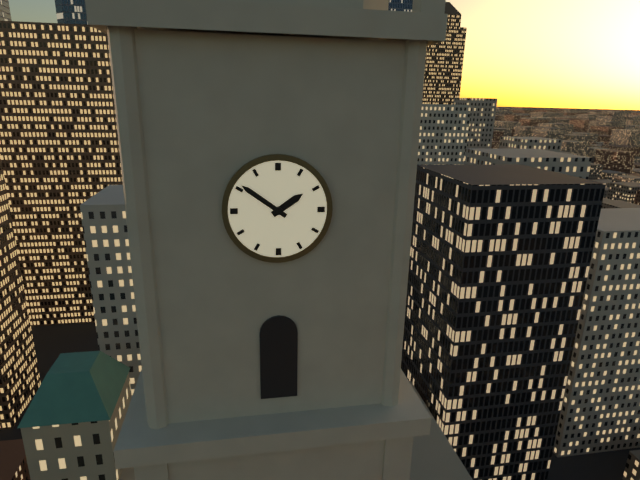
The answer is 1h51
